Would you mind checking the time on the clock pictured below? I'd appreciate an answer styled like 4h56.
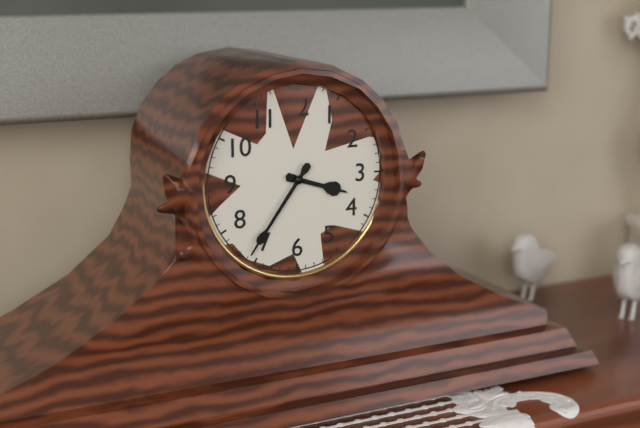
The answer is 3h36
